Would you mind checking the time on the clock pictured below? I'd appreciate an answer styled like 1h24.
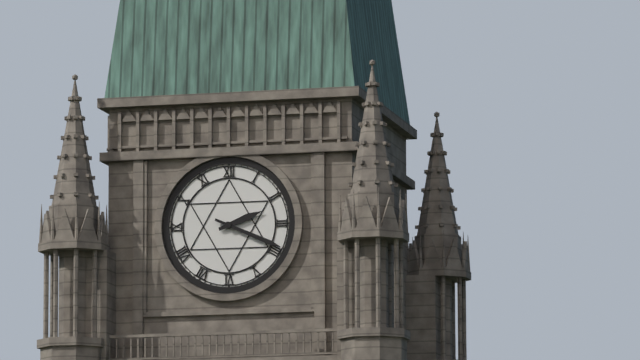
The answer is 2h19
